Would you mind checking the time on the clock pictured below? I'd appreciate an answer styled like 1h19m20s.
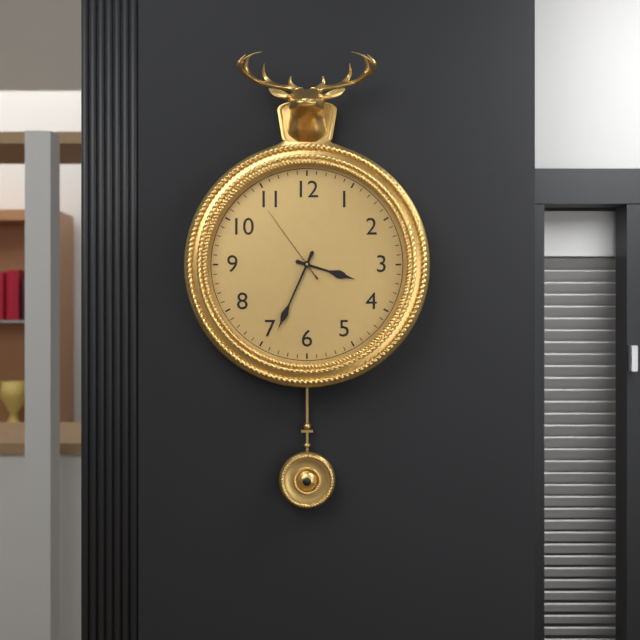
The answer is 3h34m54s
